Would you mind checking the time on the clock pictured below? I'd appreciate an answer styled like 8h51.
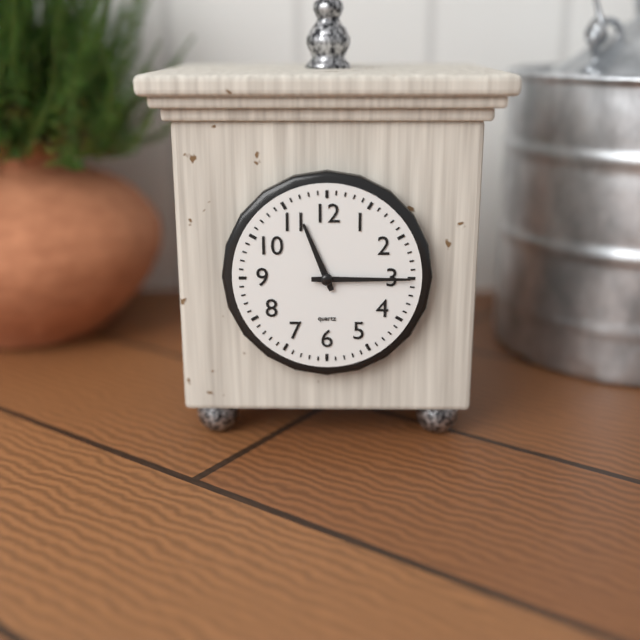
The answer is 11h15
